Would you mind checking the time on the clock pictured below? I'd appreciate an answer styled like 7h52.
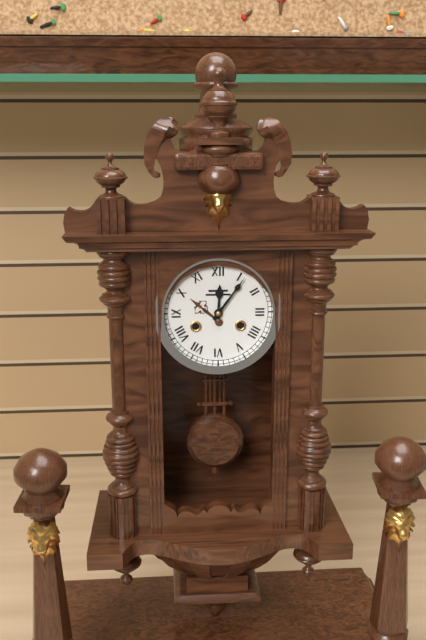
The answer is 12h06
